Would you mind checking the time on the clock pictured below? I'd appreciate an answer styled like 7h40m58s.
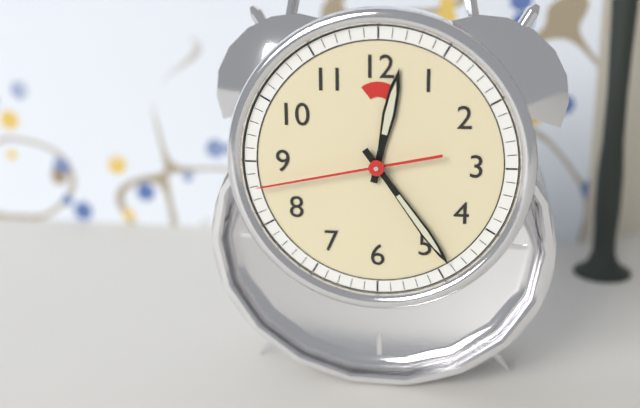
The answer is 12h24m43s
